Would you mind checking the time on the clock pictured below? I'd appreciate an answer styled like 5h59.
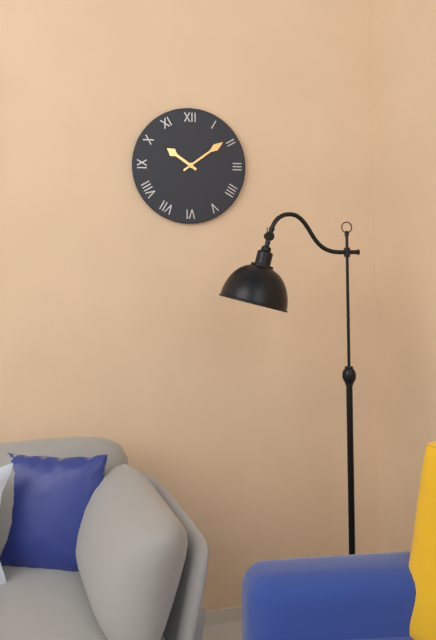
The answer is 10h09
